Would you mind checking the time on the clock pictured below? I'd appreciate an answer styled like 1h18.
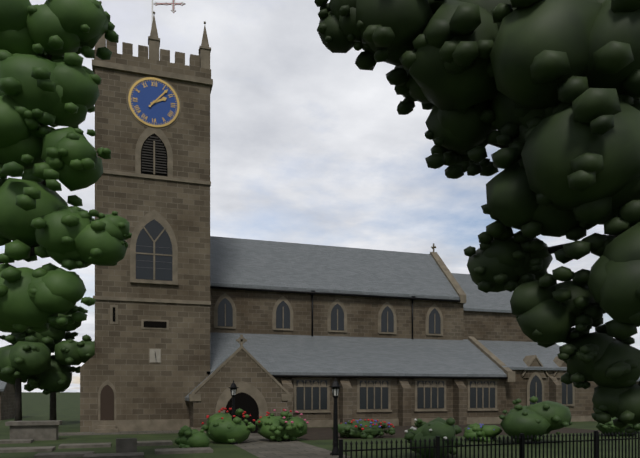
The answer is 2h07
